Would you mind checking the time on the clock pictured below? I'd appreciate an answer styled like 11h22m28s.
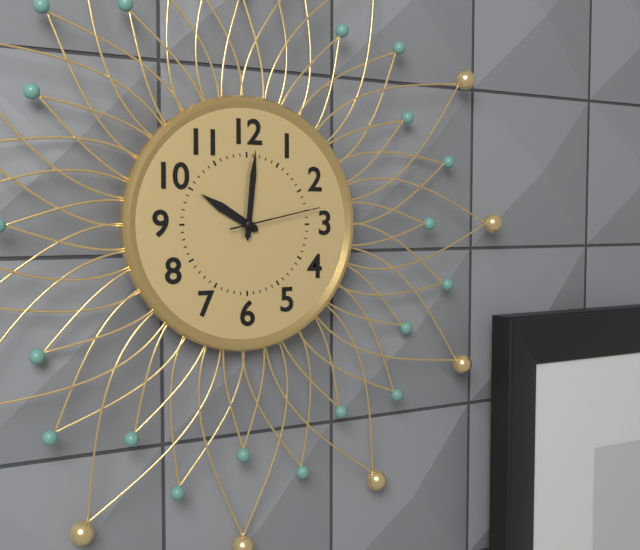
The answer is 10h01m13s
